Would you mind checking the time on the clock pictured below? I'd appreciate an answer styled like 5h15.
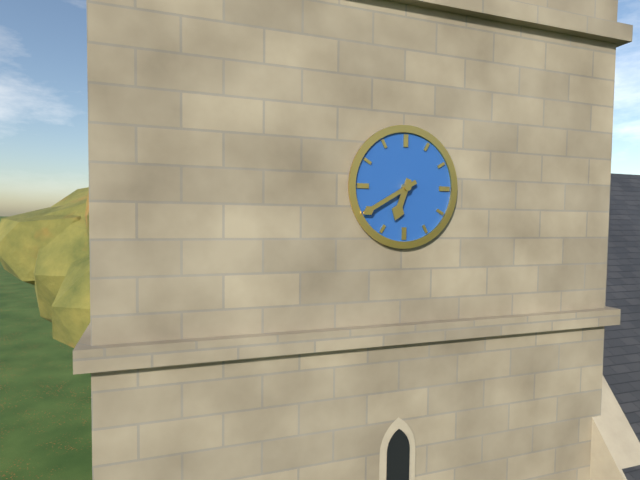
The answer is 6h40
